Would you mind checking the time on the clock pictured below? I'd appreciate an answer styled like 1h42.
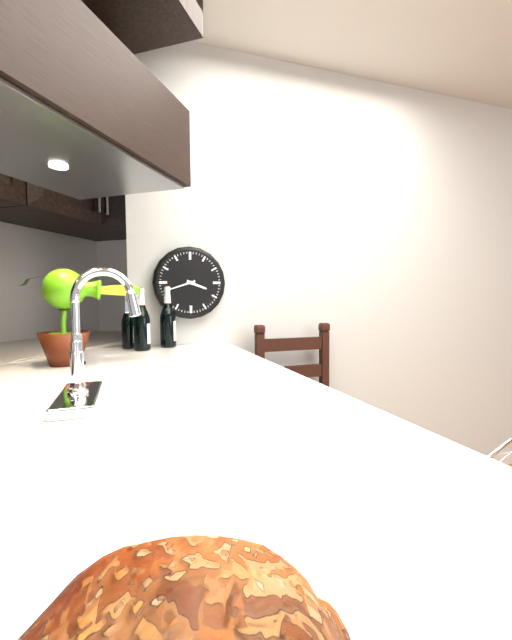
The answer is 3h42
